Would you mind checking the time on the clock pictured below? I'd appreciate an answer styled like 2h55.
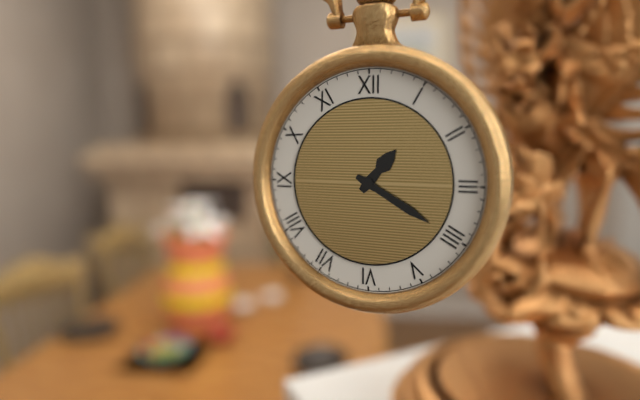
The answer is 1h20
